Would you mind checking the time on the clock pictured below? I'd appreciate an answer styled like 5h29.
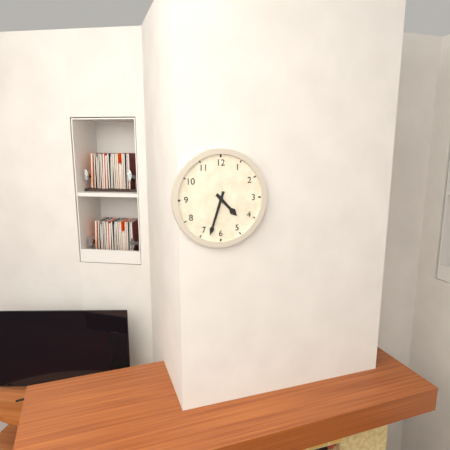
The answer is 4h33
